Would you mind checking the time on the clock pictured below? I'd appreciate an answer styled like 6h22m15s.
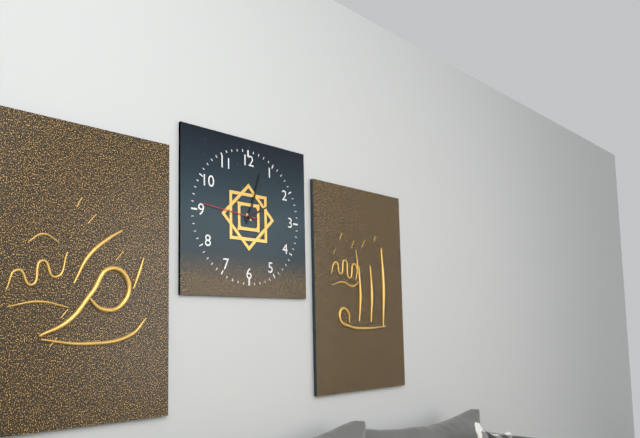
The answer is 2h03m46s
